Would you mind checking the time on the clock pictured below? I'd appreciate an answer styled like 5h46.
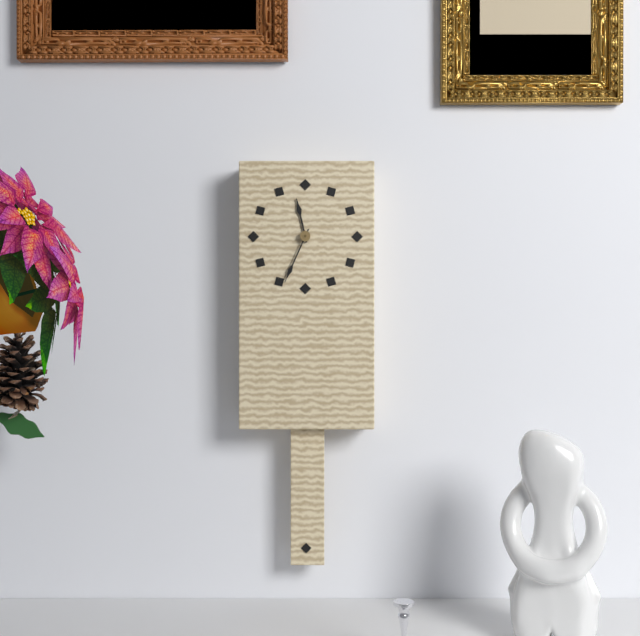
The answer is 11h34
